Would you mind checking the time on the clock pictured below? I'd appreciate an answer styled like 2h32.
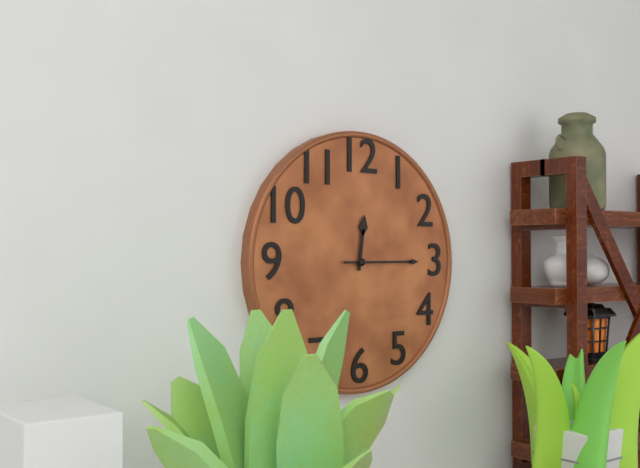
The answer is 12h15
